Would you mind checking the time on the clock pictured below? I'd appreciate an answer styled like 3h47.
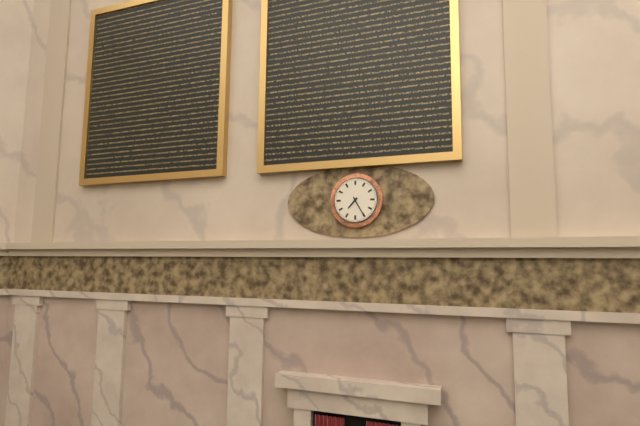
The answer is 7h25
